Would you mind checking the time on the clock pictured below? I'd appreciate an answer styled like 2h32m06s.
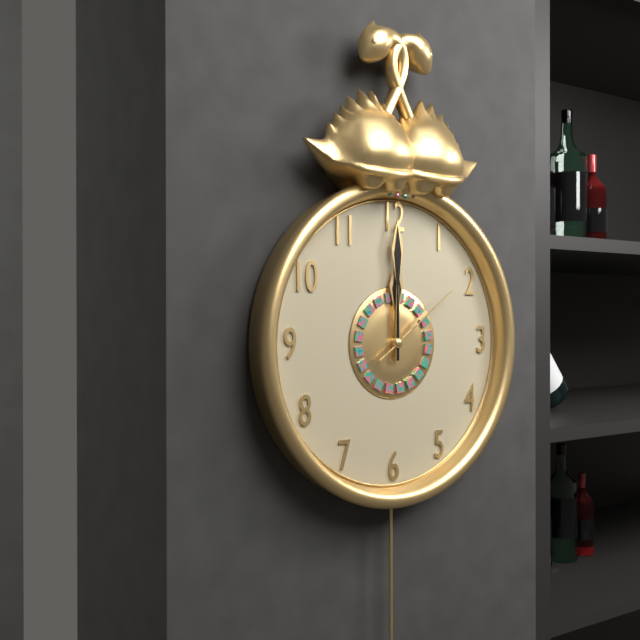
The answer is 12h00m09s
